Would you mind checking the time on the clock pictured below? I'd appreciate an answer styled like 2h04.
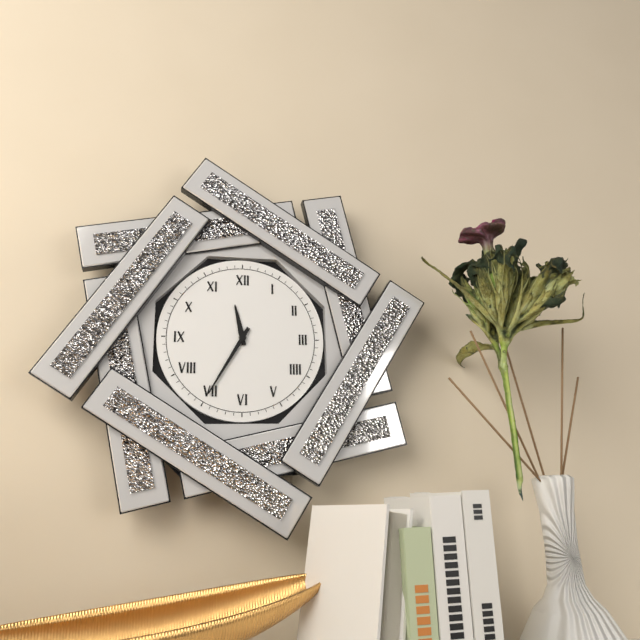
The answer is 11h35
